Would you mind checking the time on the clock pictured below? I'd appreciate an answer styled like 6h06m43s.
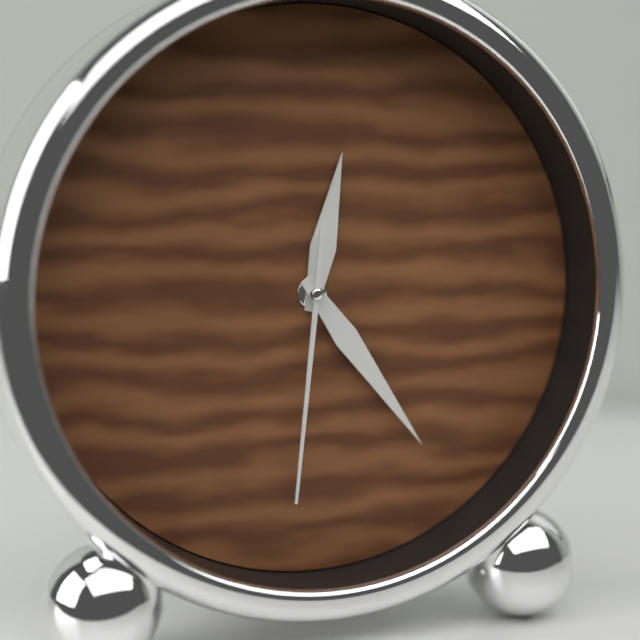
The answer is 12h24m31s
